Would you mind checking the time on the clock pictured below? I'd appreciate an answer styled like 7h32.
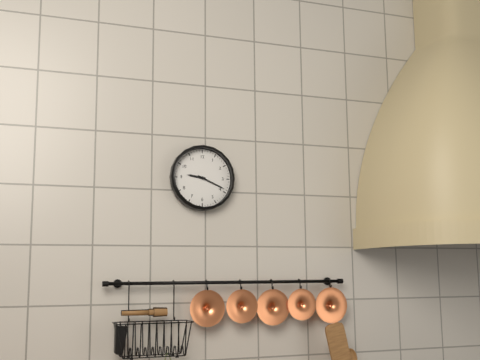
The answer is 9h19
